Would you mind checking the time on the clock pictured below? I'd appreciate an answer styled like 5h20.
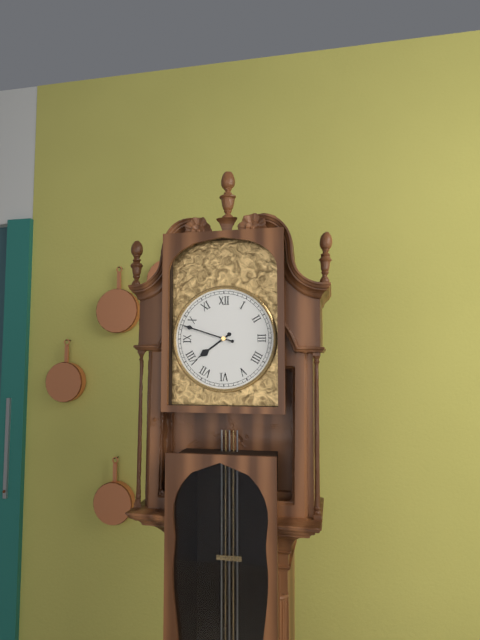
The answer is 7h48
